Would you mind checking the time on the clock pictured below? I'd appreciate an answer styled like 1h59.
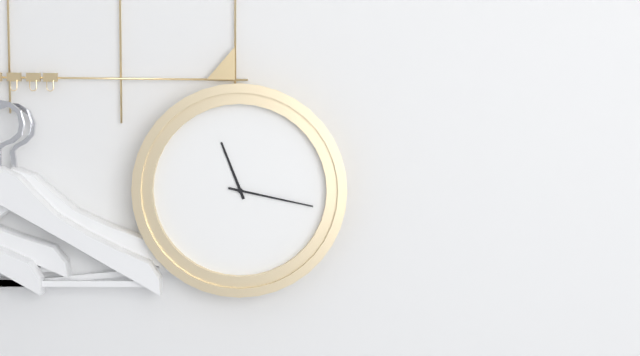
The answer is 11h17
